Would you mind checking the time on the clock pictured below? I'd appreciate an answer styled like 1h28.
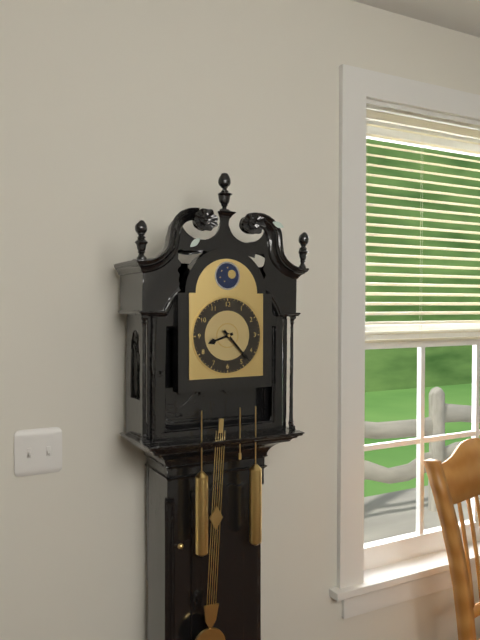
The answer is 8h23
